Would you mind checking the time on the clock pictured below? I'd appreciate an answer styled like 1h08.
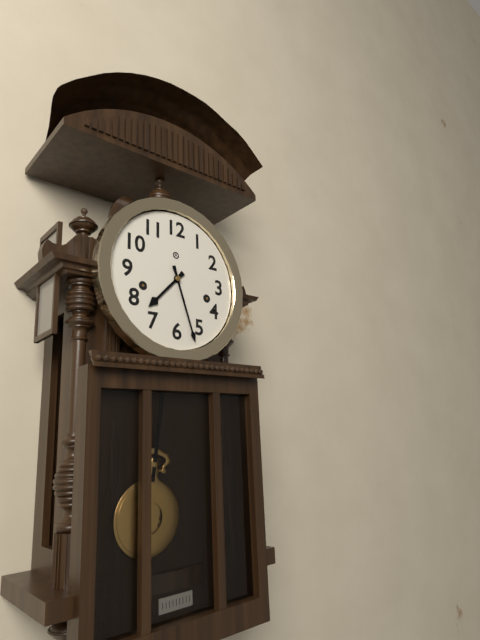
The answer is 7h27
